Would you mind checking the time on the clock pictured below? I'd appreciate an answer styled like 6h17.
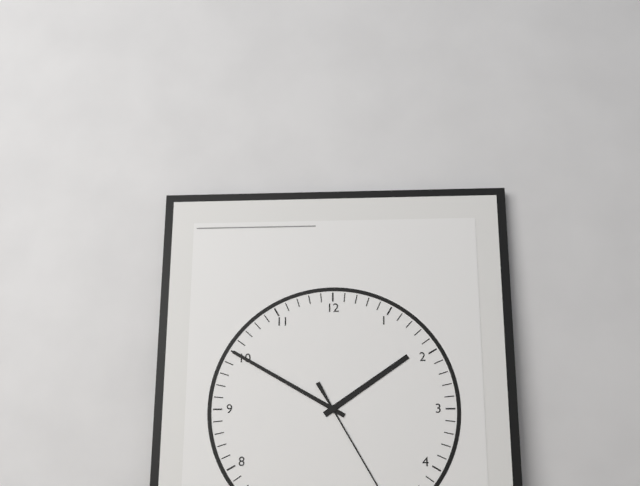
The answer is 1h50
